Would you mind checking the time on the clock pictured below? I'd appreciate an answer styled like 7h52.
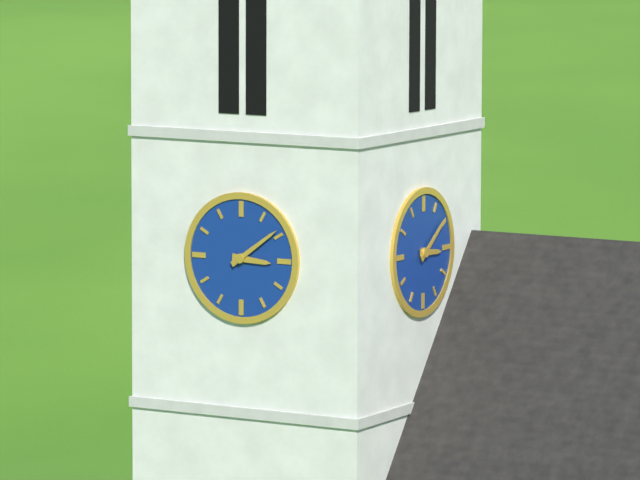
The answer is 3h09
